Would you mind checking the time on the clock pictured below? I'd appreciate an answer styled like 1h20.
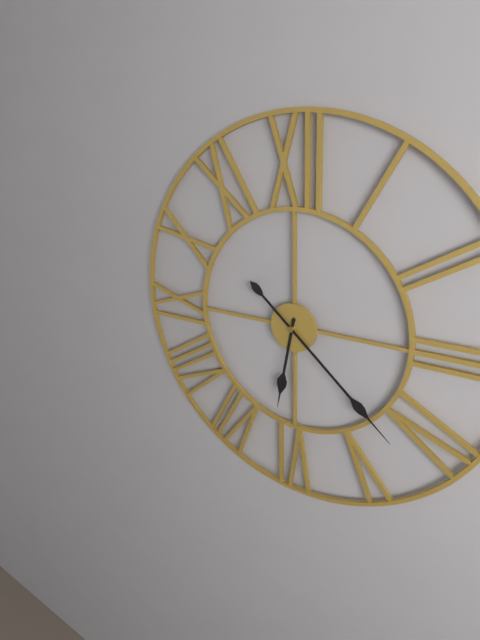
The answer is 6h22
